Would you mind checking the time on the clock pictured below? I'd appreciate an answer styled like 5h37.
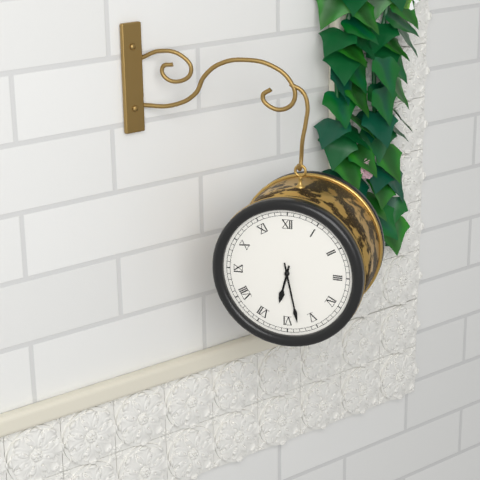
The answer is 6h28
